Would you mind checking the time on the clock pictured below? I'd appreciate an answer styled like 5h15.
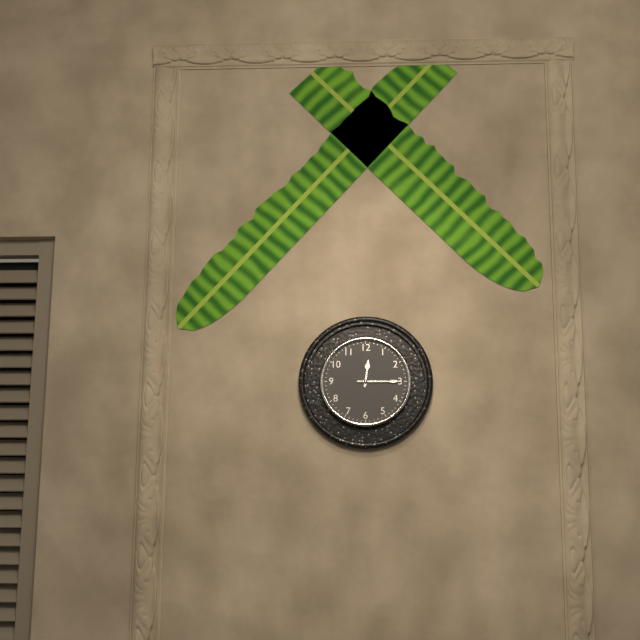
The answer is 12h15
